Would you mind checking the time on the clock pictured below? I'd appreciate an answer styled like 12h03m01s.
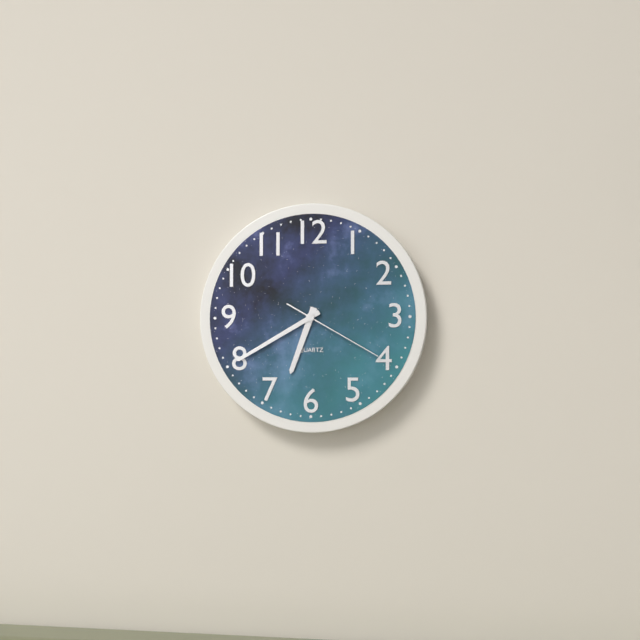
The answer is 6h40m20s
